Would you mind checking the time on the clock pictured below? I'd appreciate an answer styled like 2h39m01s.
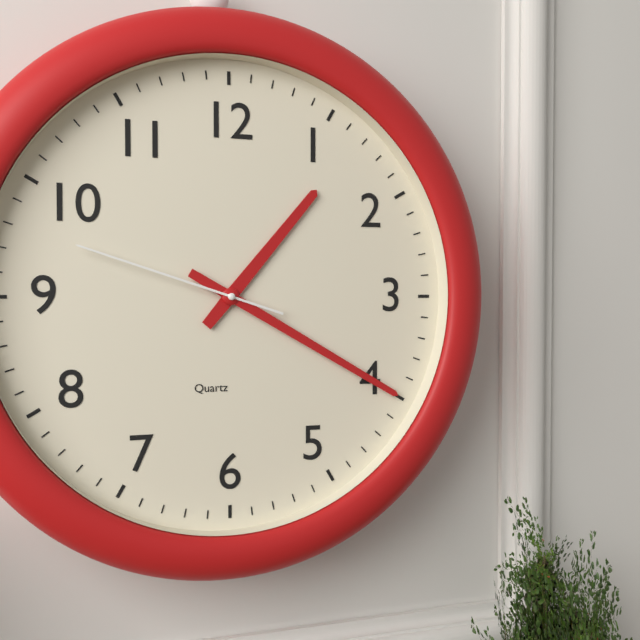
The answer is 1h20m48s
